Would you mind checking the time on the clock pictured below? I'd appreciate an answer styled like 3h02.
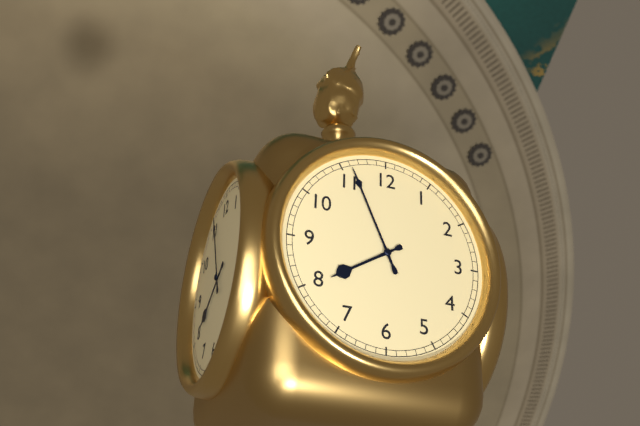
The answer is 7h56
